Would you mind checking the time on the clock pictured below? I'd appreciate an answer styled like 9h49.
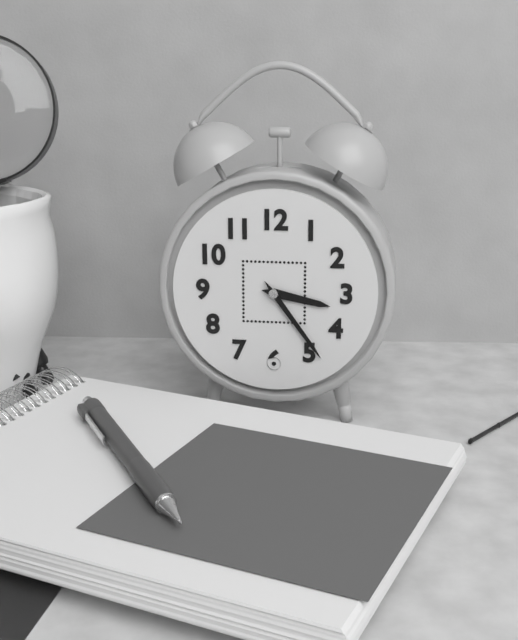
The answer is 3h24
